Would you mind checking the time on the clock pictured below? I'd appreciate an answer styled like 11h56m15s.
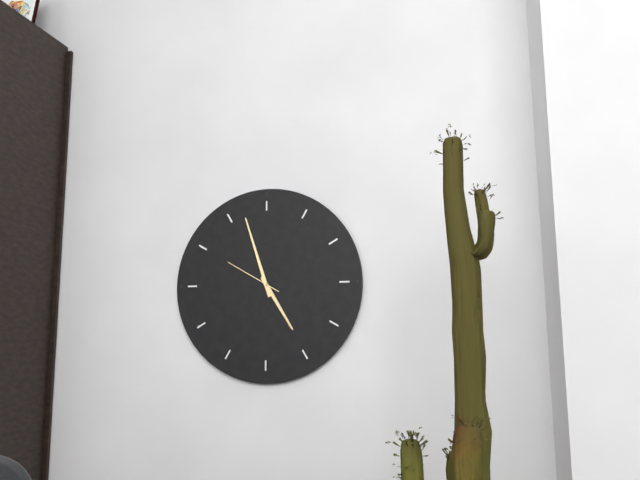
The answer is 4h57m50s
